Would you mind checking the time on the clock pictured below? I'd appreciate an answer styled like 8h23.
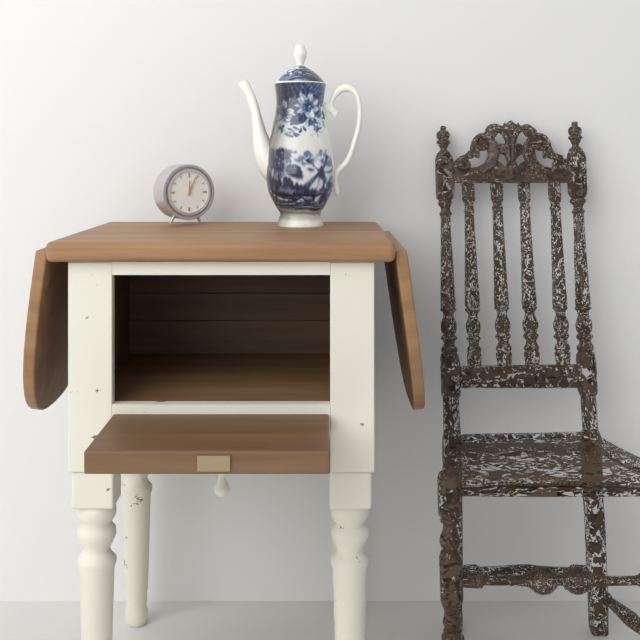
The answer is 12h04
